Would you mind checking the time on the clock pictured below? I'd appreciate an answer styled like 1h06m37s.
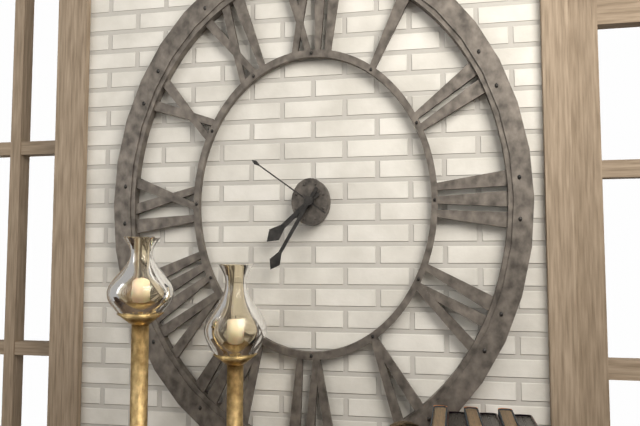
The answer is 7h35m51s
